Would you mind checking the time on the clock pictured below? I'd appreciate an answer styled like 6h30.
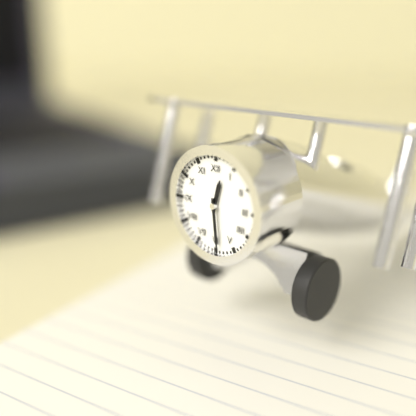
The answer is 12h29
